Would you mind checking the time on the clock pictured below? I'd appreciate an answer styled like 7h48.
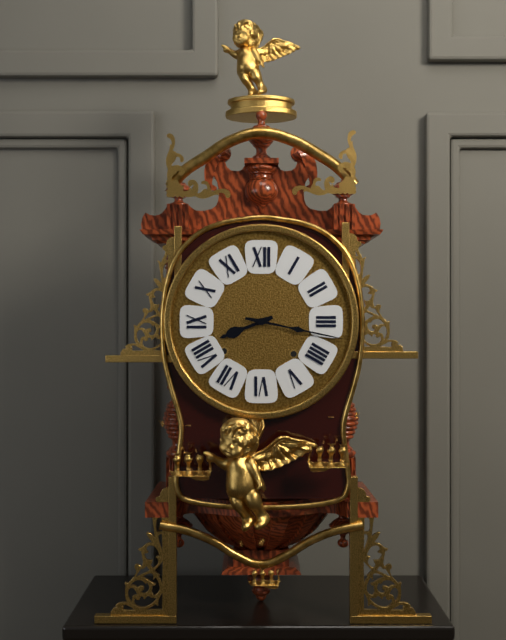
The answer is 8h17
